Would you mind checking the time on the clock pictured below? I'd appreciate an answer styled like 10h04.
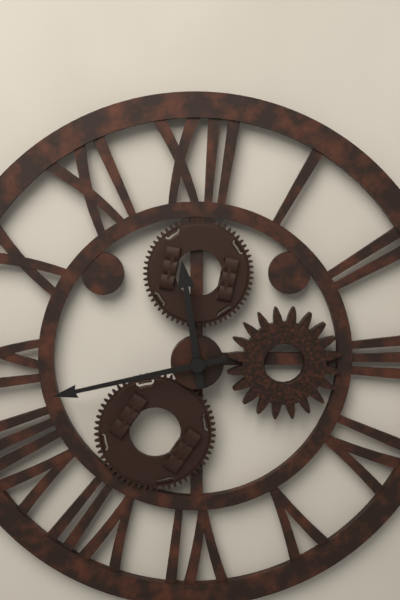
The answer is 11h43
